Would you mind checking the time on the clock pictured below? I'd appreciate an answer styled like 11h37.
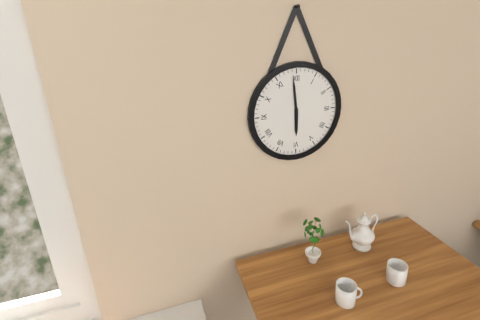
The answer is 5h59
